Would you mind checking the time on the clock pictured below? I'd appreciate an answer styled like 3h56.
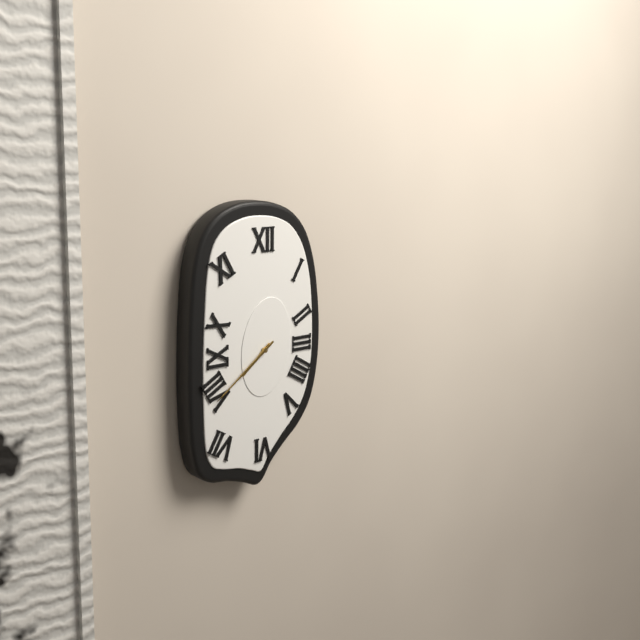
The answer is 7h39
